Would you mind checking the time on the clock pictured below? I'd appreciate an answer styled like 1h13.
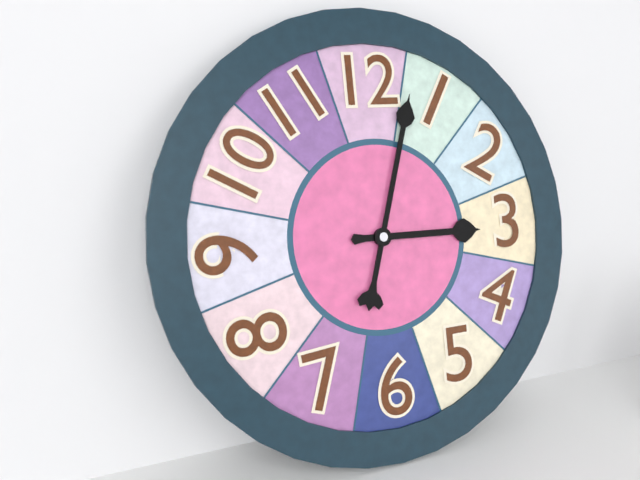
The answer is 3h03
